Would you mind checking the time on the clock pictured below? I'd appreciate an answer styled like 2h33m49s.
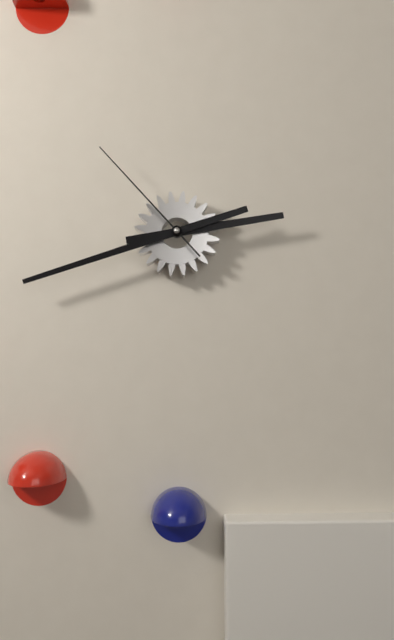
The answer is 2h42m53s
